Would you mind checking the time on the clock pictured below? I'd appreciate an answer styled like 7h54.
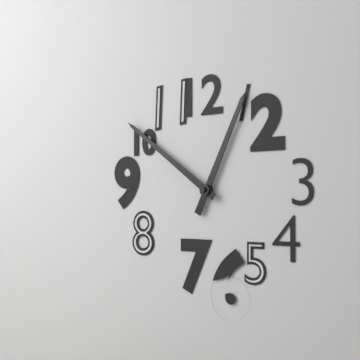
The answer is 12h51
